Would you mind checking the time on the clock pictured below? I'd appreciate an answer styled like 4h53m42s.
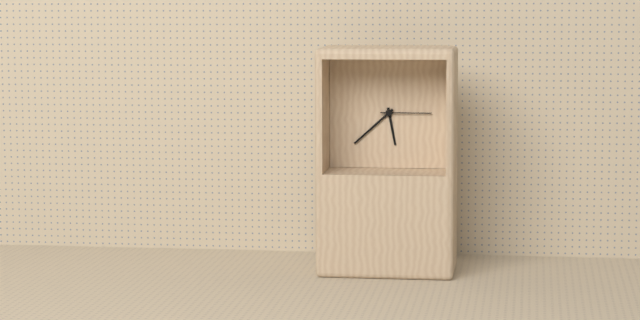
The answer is 5h38m15s
